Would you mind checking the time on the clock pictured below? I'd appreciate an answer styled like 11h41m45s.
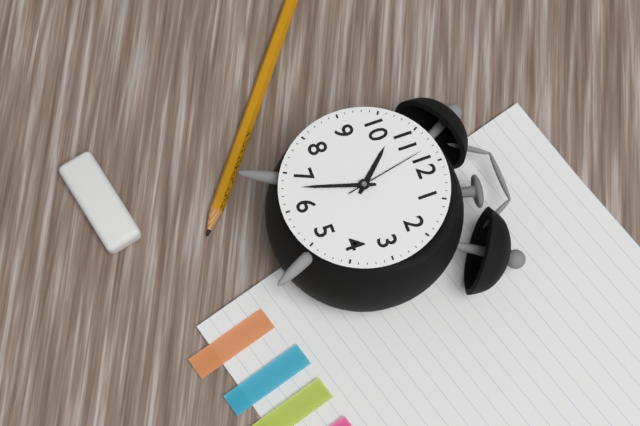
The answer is 10h33m58s
